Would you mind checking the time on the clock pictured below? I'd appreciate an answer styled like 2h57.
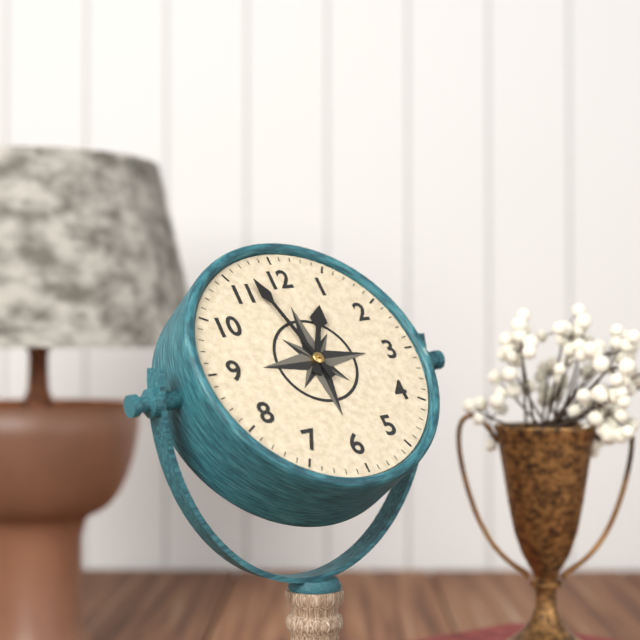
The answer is 12h57
